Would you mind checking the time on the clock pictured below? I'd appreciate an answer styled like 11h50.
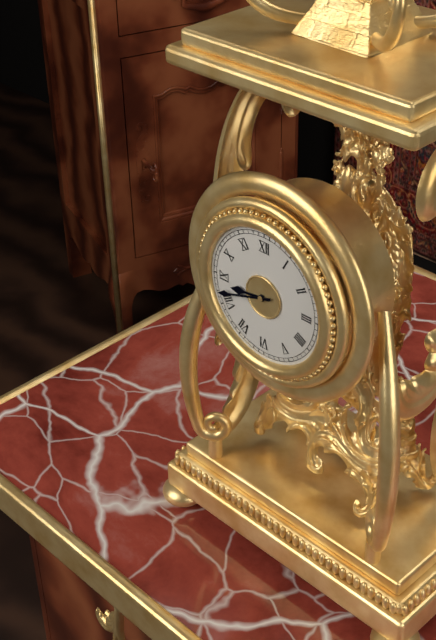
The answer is 8h42
